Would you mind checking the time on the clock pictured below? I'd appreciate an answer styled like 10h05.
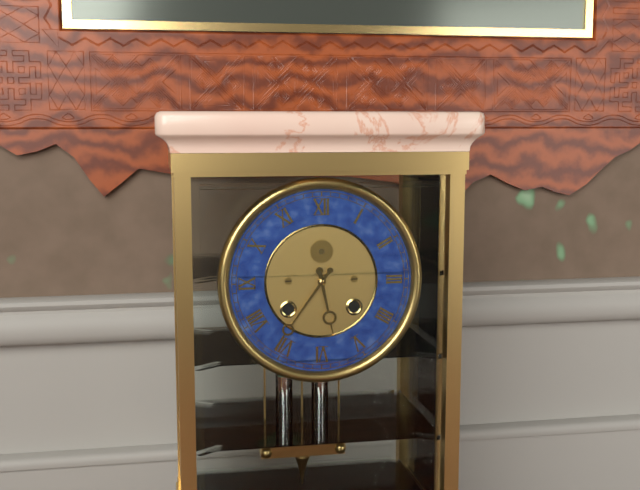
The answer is 5h36
